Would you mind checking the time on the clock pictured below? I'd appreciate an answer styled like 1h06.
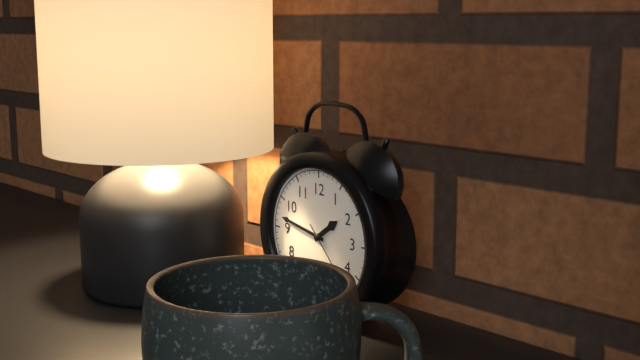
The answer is 1h47
